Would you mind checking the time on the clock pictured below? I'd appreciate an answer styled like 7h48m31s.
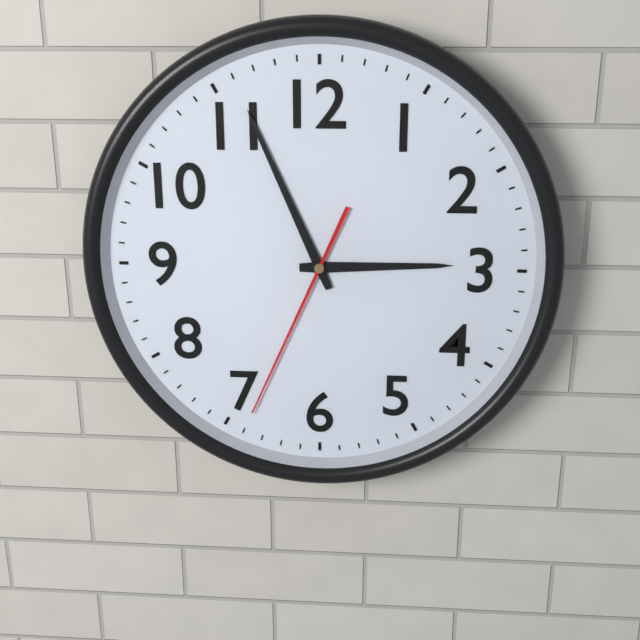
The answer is 2h56m34s
